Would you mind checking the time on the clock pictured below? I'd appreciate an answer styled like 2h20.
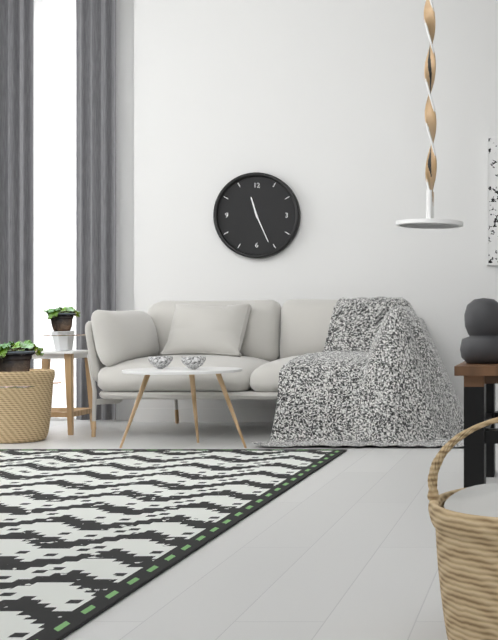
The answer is 11h26
